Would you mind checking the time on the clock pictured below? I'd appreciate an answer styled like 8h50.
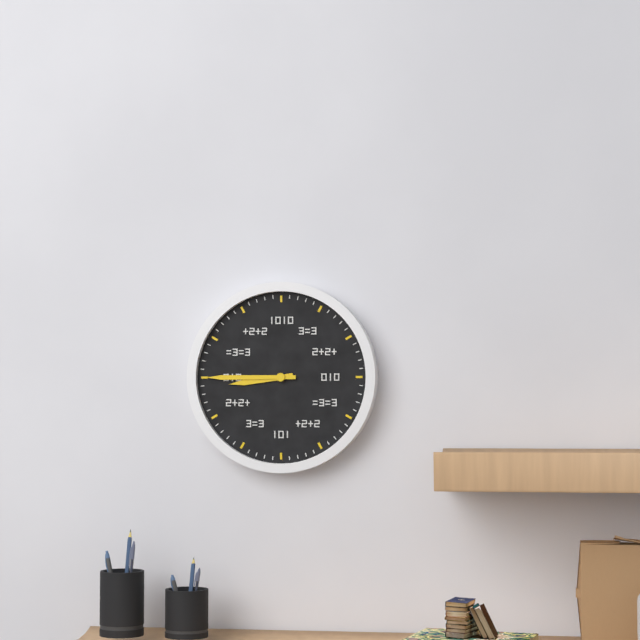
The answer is 8h45
